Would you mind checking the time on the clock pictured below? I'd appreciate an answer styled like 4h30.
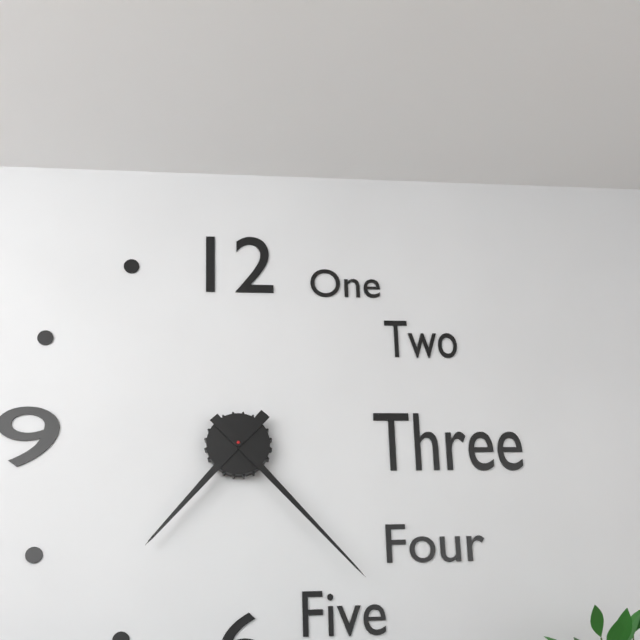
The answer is 7h23
